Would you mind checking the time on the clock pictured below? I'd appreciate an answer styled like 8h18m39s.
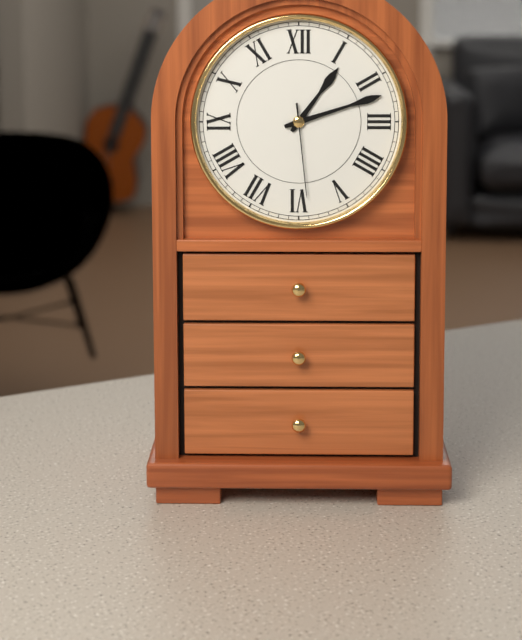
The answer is 1h12m29s
